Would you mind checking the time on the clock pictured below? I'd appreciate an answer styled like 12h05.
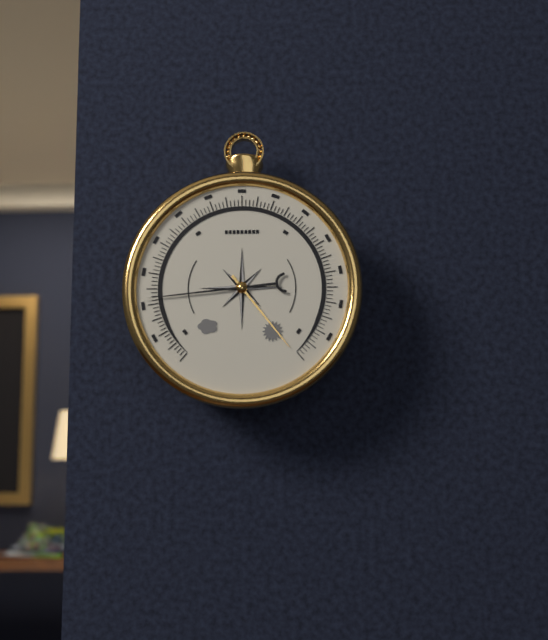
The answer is 4h44
